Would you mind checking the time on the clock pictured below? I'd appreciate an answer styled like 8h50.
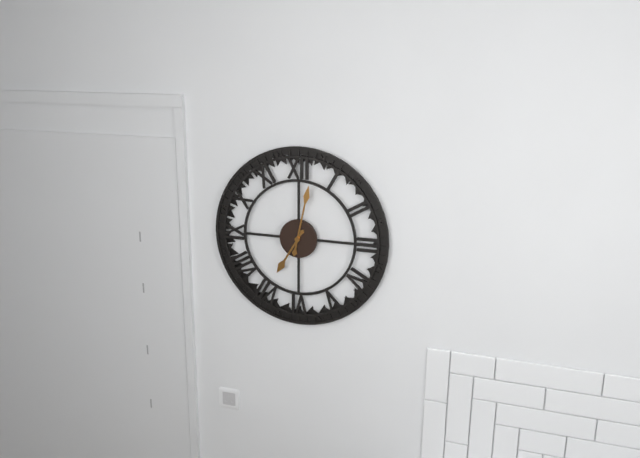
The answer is 7h02
